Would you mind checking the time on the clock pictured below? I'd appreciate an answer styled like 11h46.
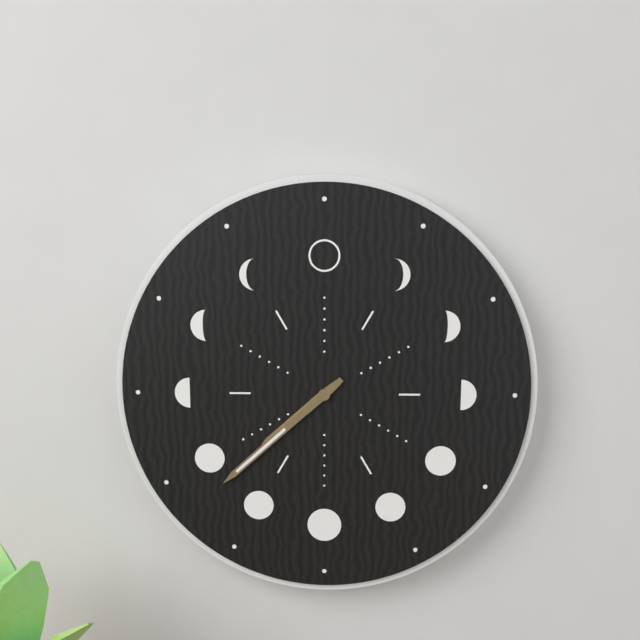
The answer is 7h38
